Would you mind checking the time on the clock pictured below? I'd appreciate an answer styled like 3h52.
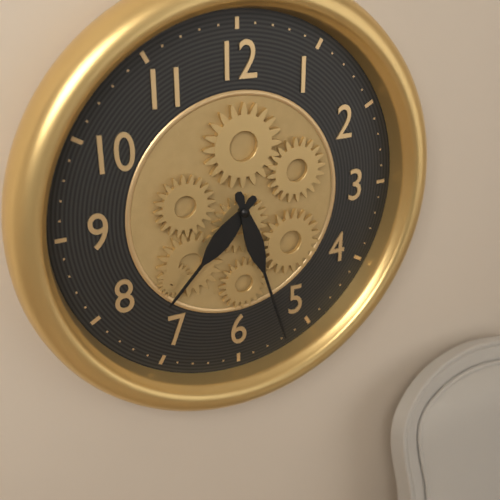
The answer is 7h27
